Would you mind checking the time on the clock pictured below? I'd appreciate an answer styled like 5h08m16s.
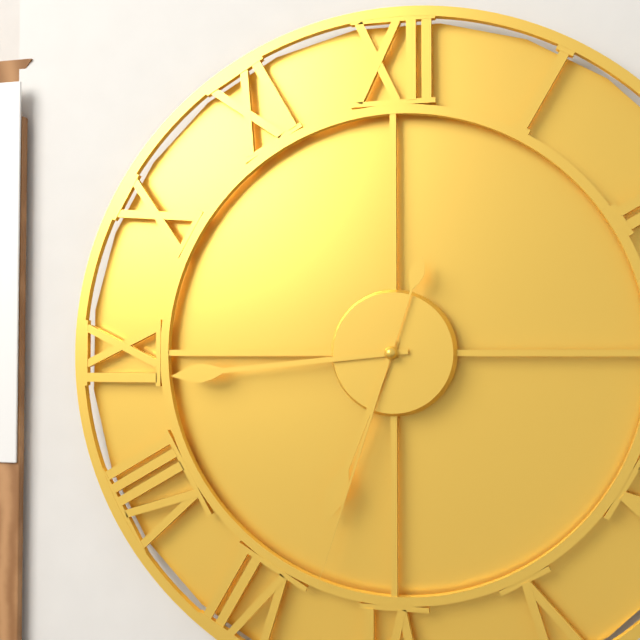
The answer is 6h44m33s
